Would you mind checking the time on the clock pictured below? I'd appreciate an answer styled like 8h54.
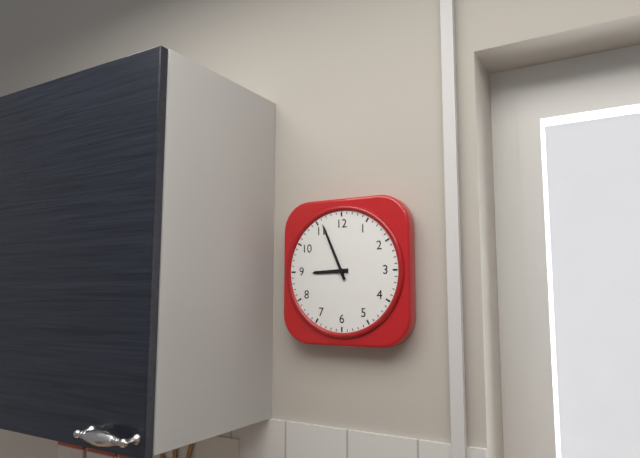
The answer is 8h56
